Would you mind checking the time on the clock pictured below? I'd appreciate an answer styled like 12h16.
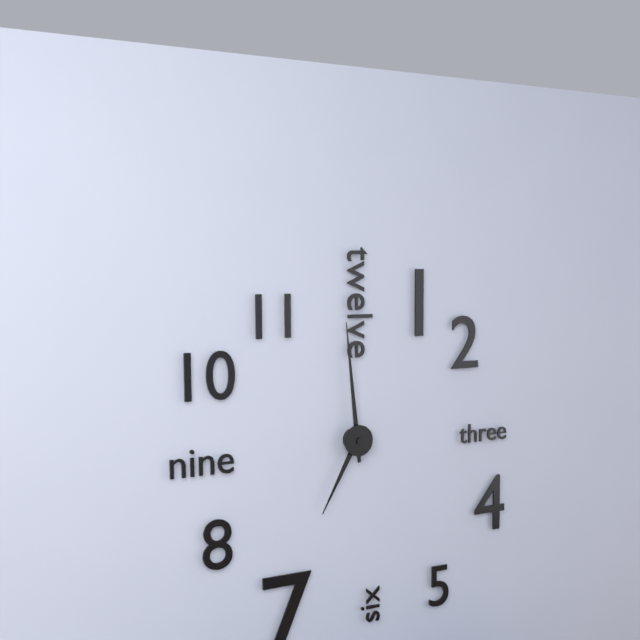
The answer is 6h59
